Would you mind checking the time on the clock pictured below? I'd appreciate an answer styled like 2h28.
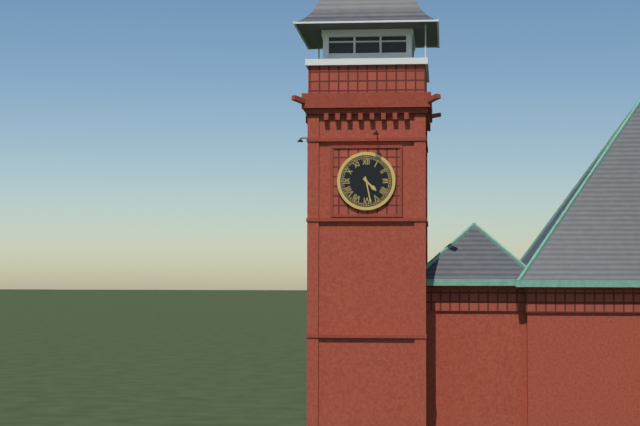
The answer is 4h28
